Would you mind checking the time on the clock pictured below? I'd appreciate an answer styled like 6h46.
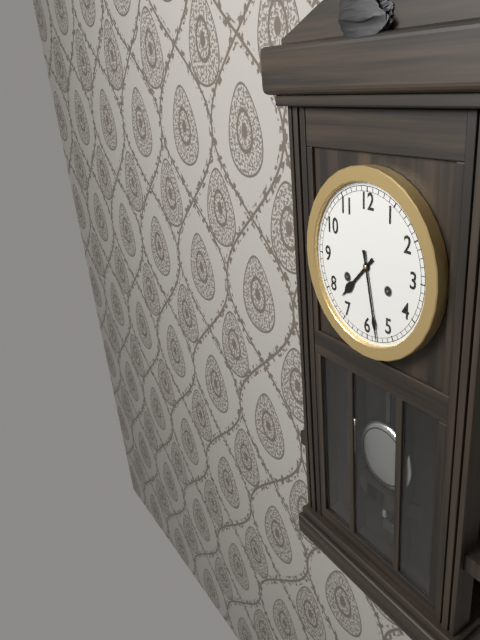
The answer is 7h28
